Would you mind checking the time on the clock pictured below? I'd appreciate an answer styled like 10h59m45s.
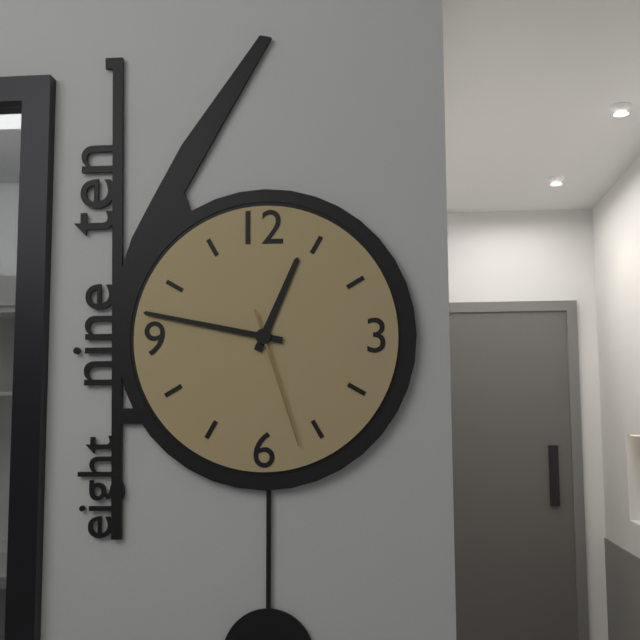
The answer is 12h47m27s
